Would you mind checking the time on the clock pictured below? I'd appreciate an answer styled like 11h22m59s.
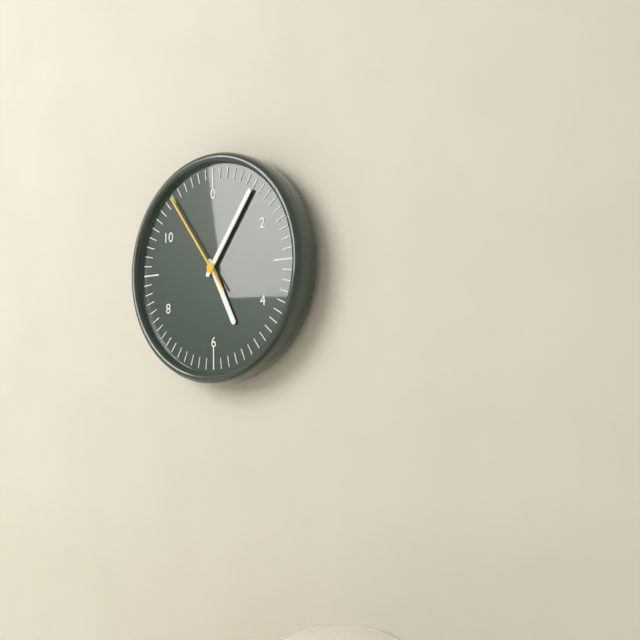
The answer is 5h06m54s
